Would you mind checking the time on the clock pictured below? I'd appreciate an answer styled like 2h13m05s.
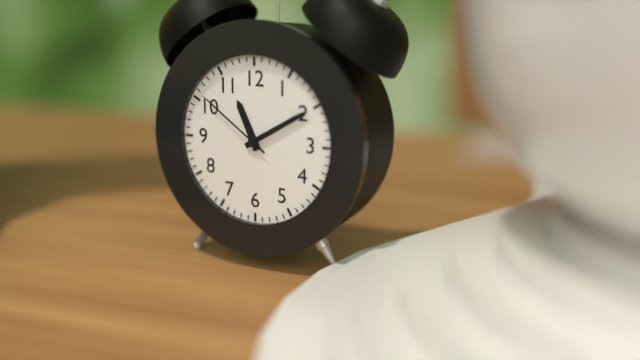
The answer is 11h10m51s
